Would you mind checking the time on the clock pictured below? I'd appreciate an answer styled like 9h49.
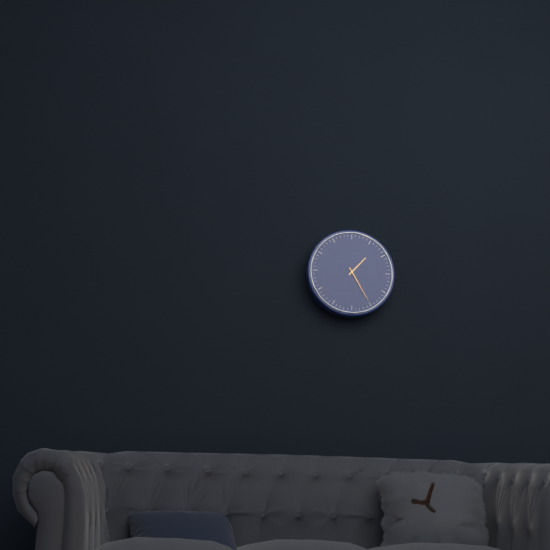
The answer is 1h25
